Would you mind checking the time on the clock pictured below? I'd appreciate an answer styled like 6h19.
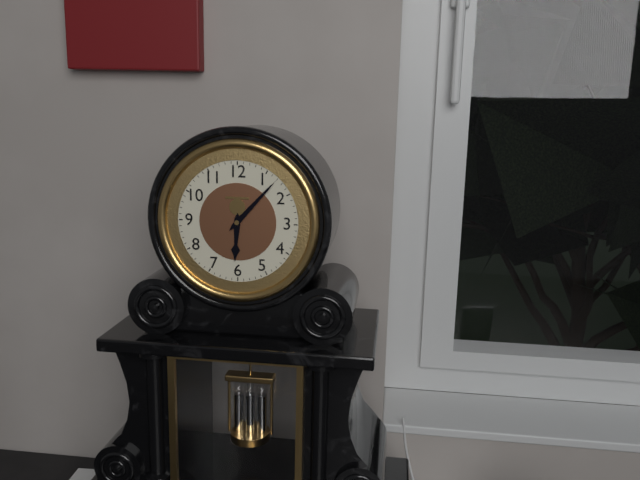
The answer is 6h07
